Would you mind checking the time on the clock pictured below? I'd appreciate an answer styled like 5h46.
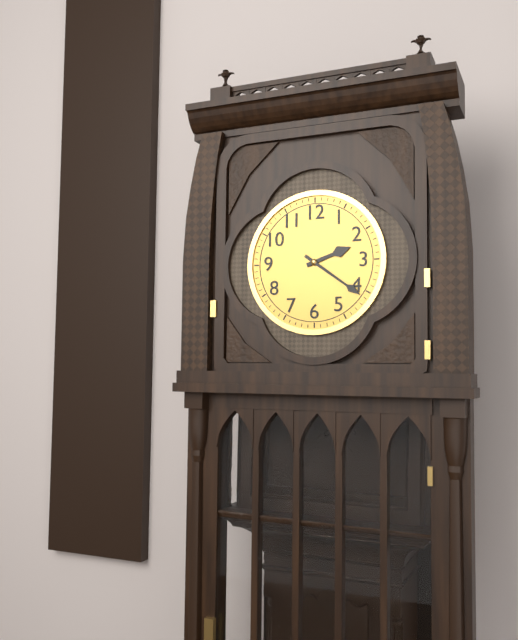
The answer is 2h21
